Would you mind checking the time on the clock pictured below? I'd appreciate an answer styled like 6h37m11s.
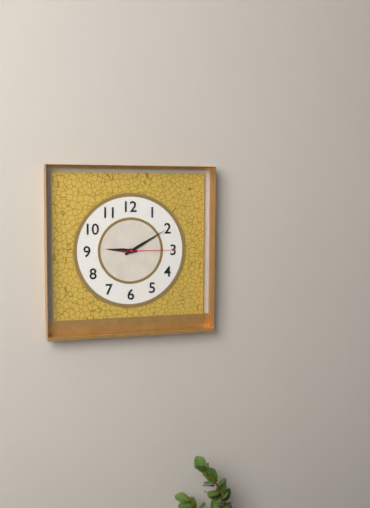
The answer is 9h10m15s
